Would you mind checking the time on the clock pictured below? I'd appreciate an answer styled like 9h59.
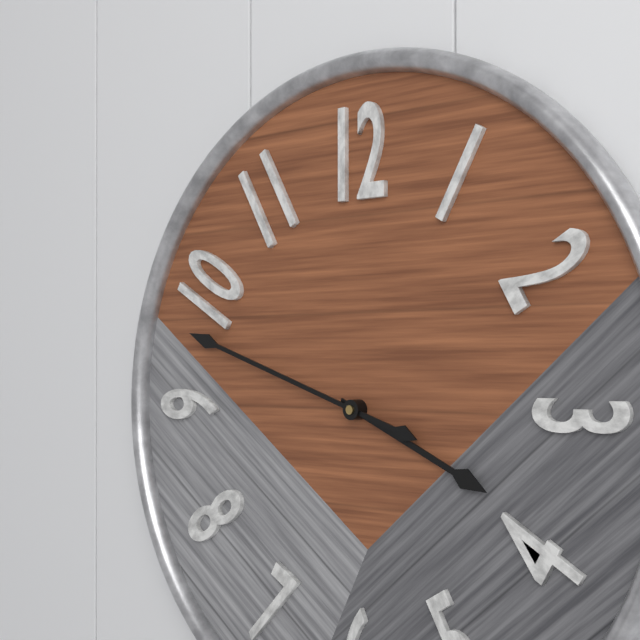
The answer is 3h48
